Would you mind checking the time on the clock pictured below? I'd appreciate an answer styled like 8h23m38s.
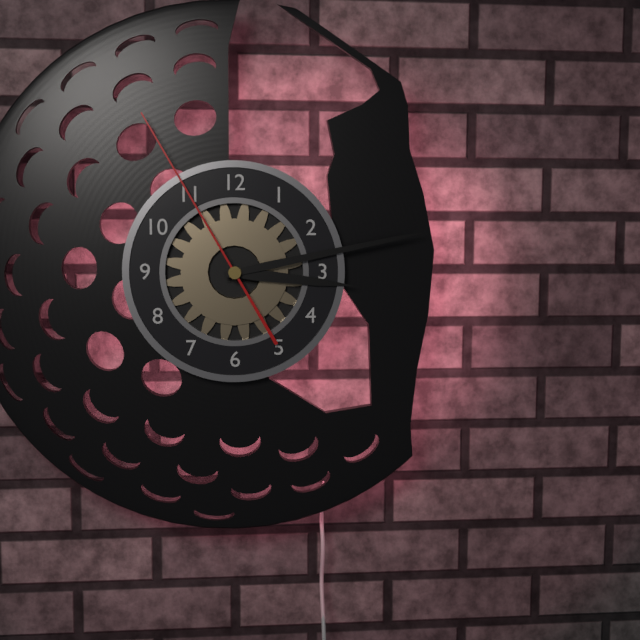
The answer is 3h13m55s
